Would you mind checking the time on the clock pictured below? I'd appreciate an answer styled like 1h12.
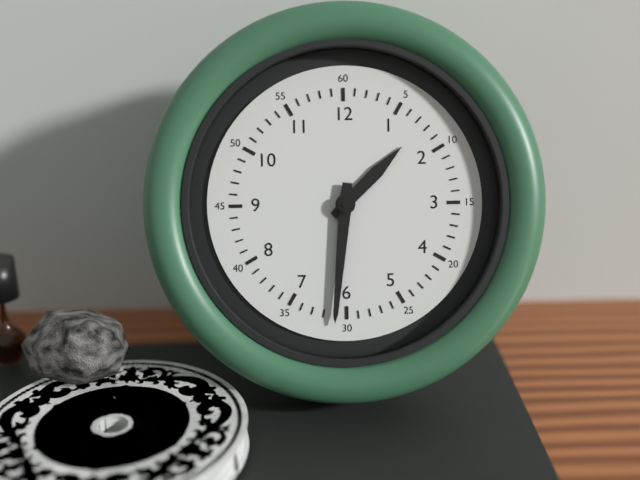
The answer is 1h31
